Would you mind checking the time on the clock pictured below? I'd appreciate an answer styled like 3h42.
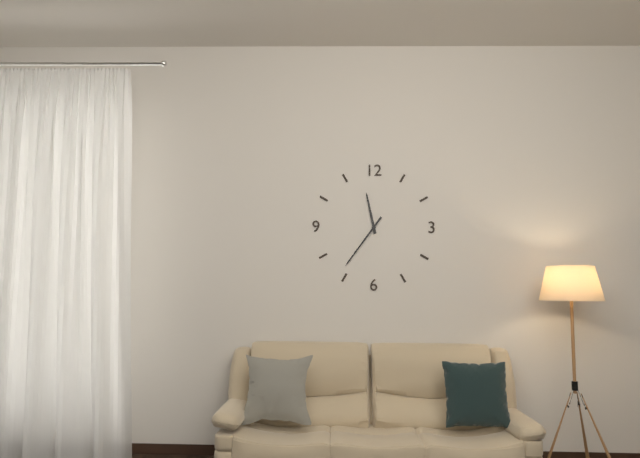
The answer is 11h36
